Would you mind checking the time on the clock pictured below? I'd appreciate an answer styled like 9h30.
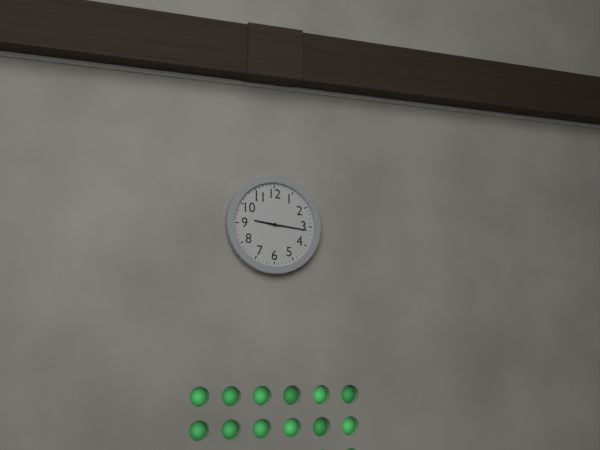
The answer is 9h16
